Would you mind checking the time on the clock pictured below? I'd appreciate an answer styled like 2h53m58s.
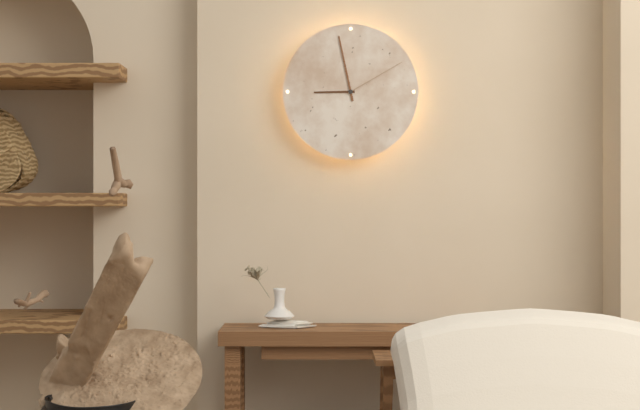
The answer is 8h58m10s
